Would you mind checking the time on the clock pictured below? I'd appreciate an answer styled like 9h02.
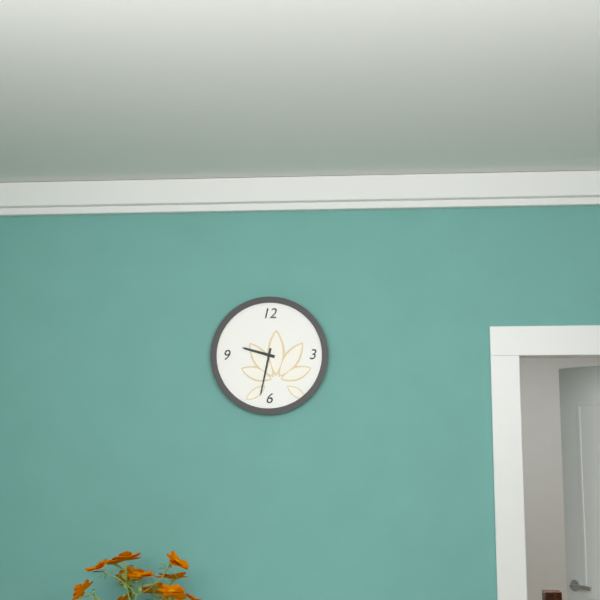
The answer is 9h32
